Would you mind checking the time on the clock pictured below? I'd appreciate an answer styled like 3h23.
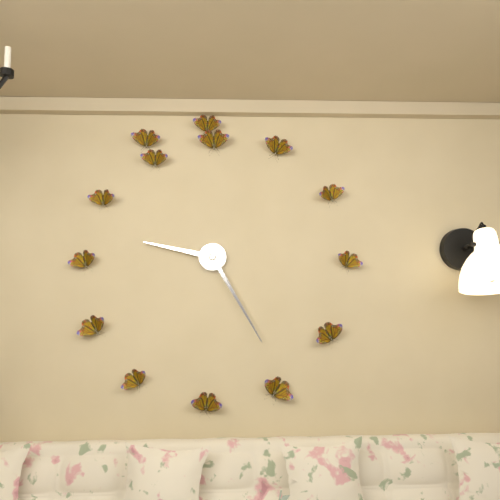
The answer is 9h25
